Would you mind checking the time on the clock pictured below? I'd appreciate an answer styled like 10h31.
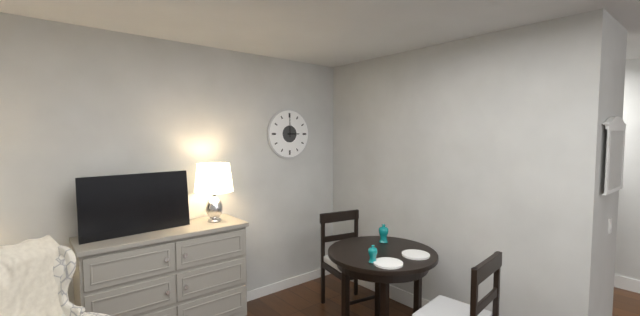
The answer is 3h00
